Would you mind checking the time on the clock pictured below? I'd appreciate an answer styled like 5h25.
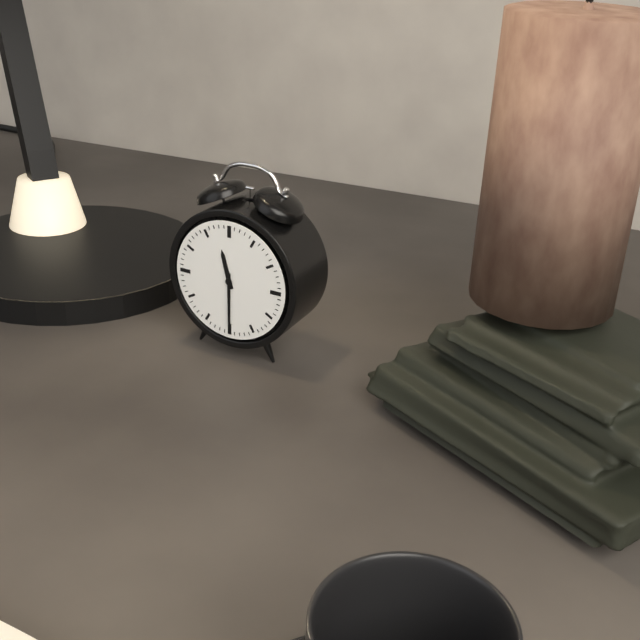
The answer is 11h30
